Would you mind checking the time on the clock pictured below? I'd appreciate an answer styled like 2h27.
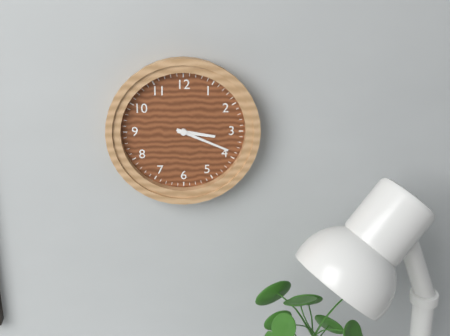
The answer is 3h19
